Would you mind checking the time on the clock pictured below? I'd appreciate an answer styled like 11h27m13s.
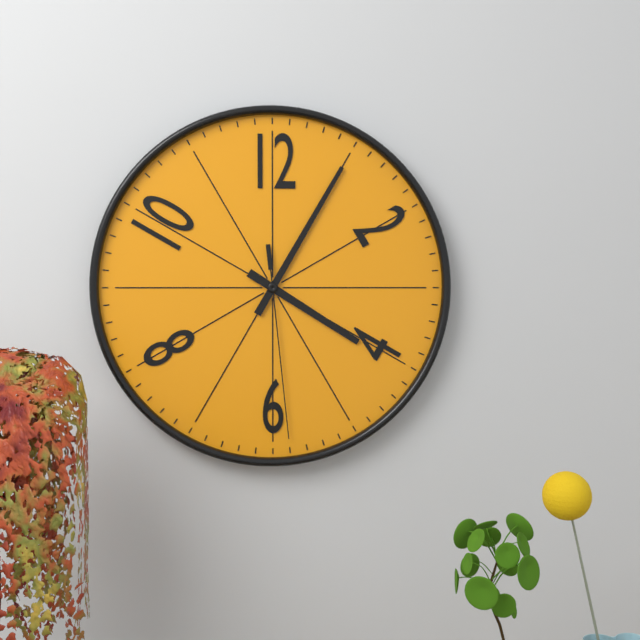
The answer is 4h05m29s
